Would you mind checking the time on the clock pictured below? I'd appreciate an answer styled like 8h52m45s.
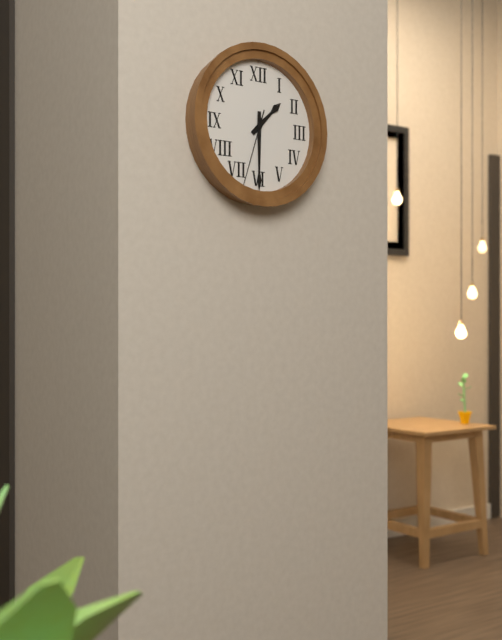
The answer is 1h30m33s
